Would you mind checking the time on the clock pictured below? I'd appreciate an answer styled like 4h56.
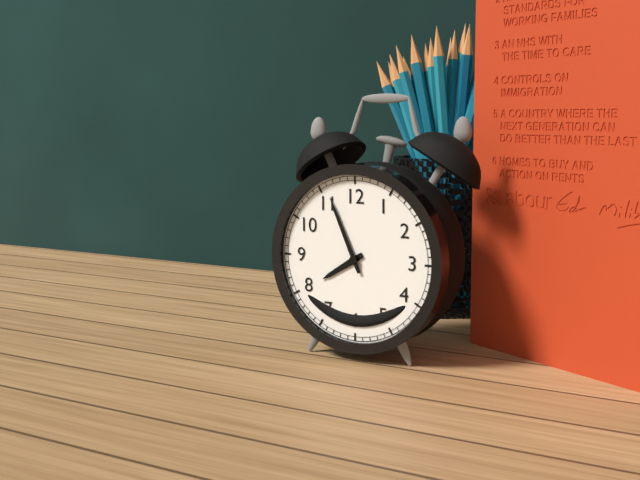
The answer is 7h56
